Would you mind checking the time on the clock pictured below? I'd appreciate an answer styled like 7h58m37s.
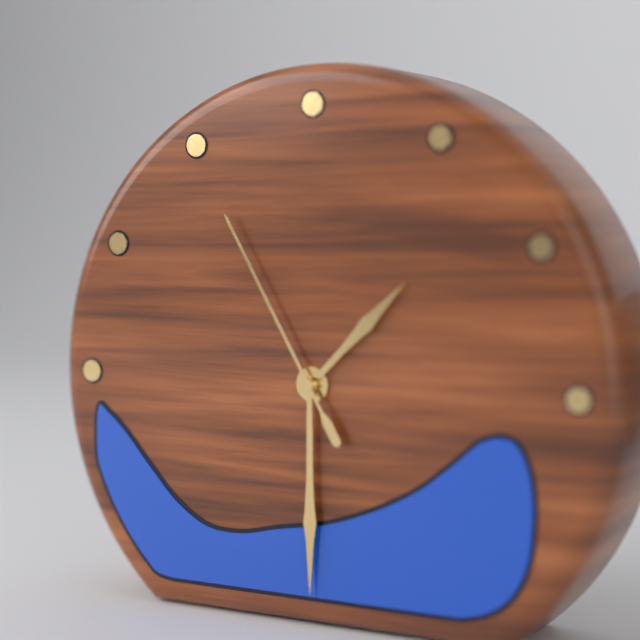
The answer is 1h30m55s
